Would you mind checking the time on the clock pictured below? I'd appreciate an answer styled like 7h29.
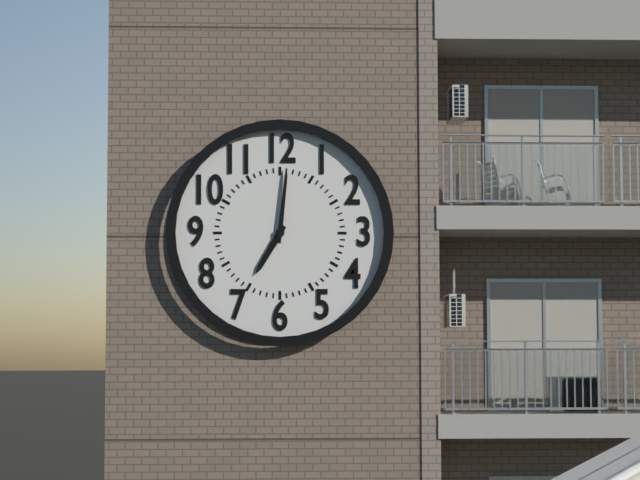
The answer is 7h01
